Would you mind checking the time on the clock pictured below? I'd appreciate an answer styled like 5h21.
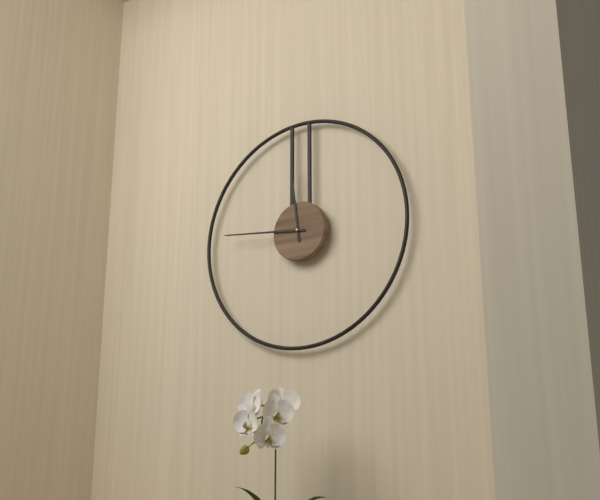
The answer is 11h46
